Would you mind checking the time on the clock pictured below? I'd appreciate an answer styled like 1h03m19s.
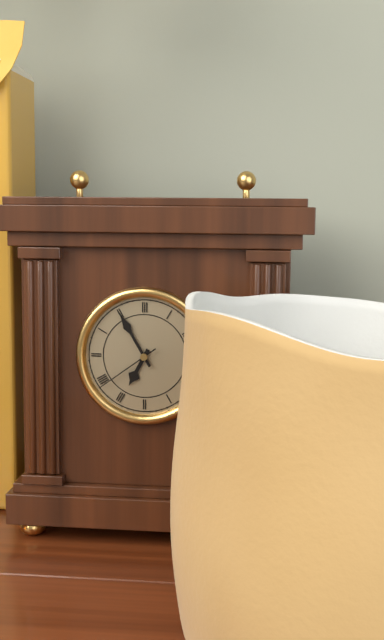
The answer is 6h55m39s
